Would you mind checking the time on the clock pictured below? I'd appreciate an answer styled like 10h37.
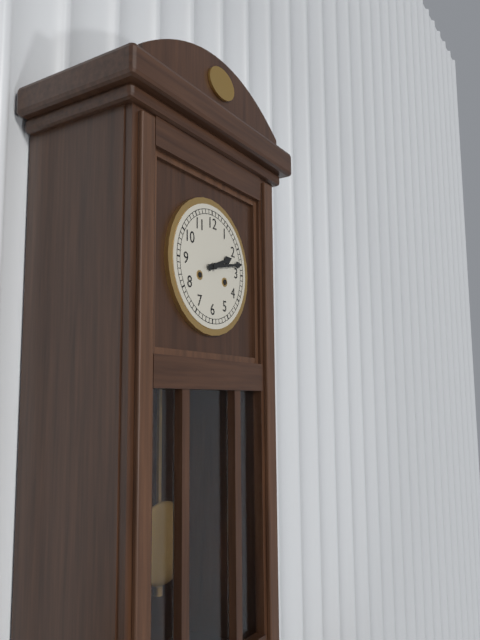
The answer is 2h13
